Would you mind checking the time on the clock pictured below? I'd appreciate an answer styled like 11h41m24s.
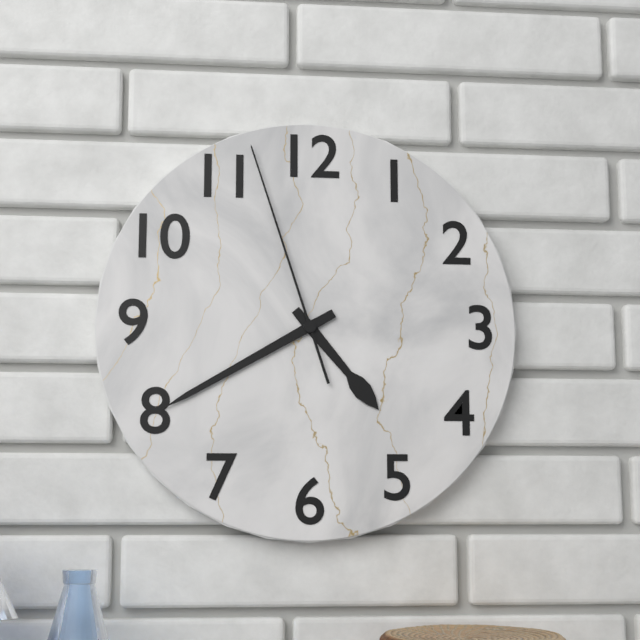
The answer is 4h40m57s
